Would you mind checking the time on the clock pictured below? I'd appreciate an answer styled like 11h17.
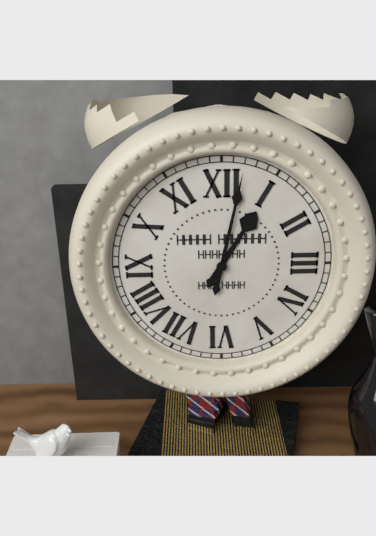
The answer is 1h02
